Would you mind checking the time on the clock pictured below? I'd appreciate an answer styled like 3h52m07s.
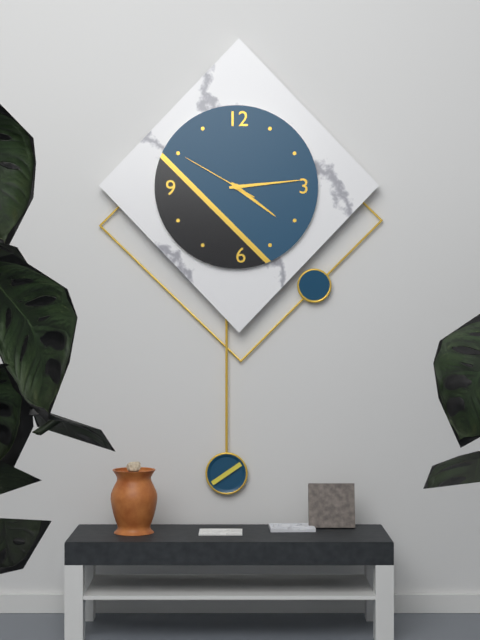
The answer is 4h14m50s
